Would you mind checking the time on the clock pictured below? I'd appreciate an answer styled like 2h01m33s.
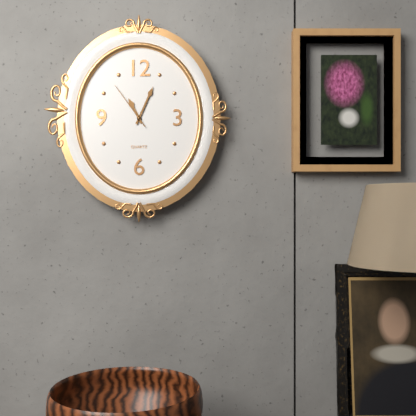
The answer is 11h04m54s
